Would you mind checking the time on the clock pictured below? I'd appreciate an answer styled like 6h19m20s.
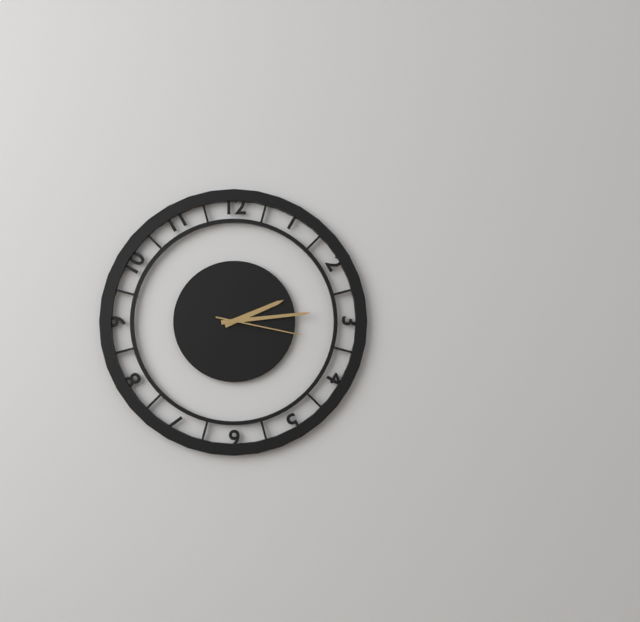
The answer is 2h14m17s
